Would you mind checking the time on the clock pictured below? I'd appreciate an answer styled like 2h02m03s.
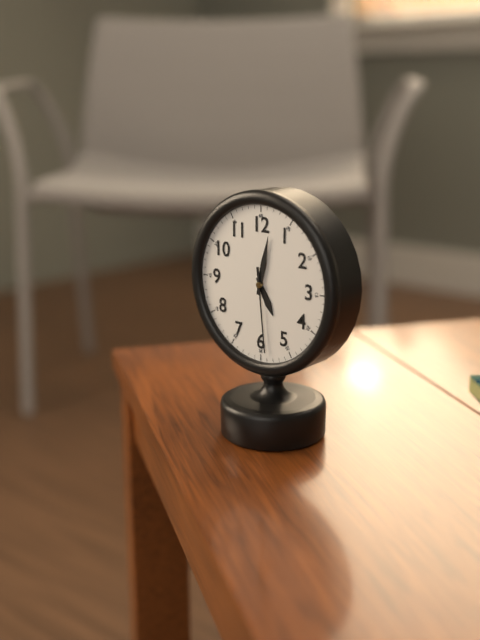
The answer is 5h02m29s
